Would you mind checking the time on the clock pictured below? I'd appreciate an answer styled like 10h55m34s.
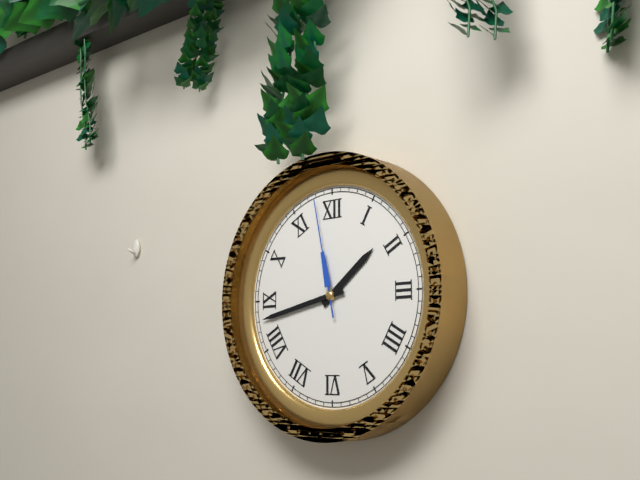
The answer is 1h43m58s
